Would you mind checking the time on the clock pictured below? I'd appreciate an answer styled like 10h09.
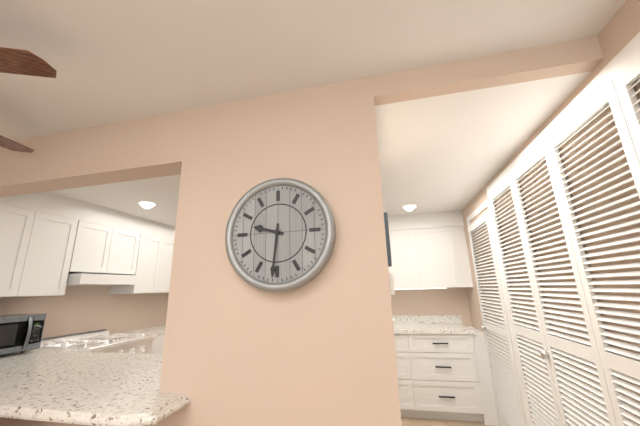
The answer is 9h31
